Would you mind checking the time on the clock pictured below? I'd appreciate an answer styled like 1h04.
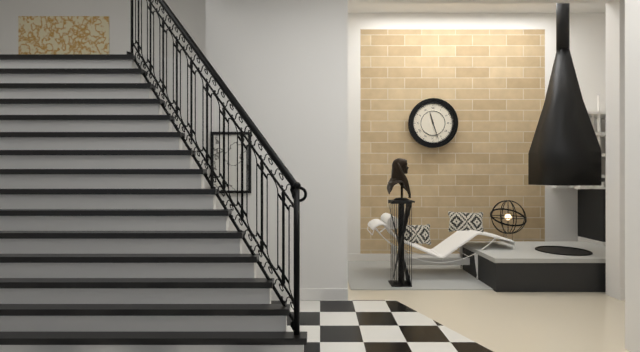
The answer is 11h27
